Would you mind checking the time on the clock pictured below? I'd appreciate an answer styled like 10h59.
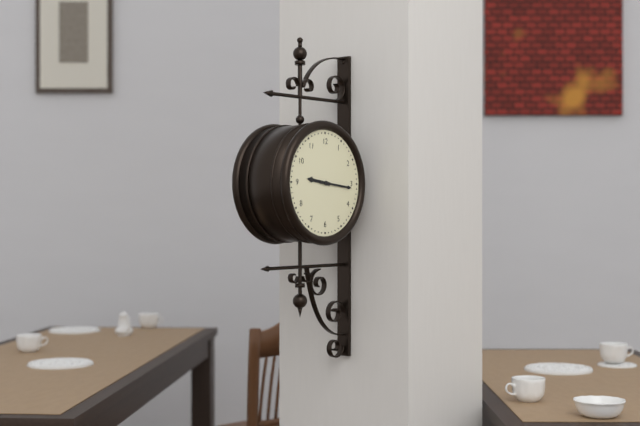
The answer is 9h16
